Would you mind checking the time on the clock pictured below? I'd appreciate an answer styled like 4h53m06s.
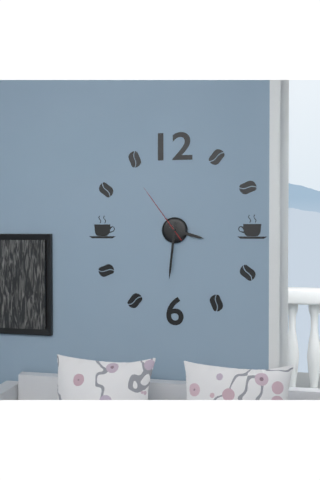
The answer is 3h31m54s
